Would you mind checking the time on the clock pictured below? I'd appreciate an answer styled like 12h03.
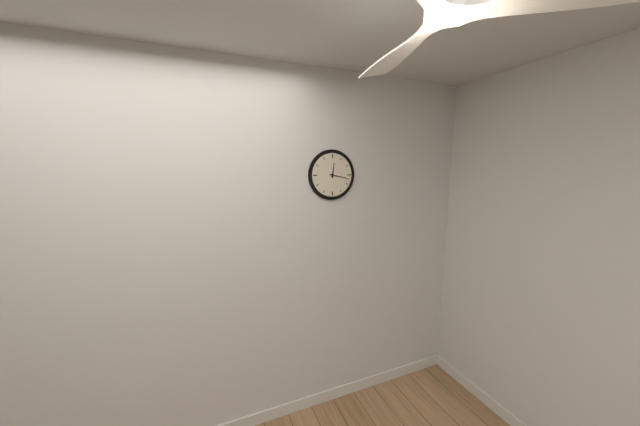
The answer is 12h17
